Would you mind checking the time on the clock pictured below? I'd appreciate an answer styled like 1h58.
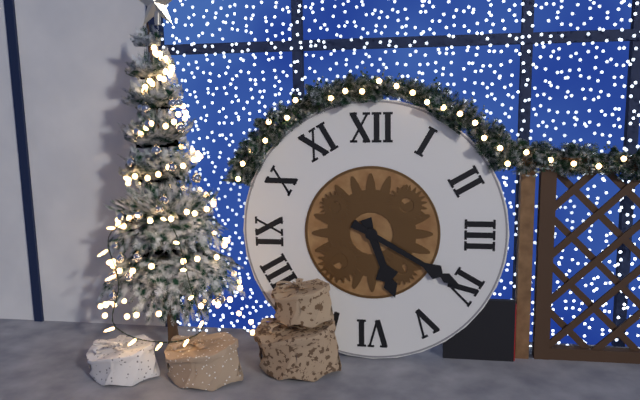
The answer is 5h20
